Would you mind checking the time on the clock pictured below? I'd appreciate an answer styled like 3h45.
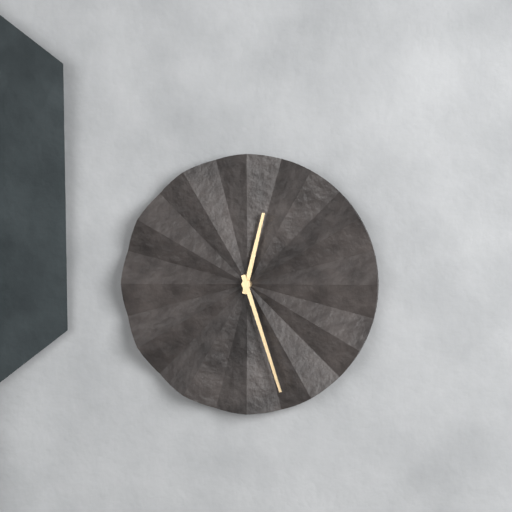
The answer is 12h27
